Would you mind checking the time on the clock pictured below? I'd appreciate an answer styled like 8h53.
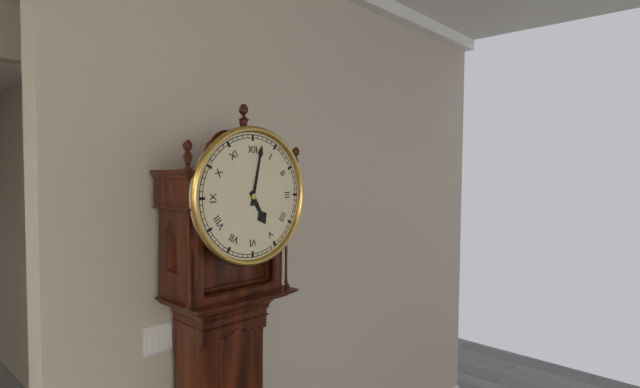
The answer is 5h02
